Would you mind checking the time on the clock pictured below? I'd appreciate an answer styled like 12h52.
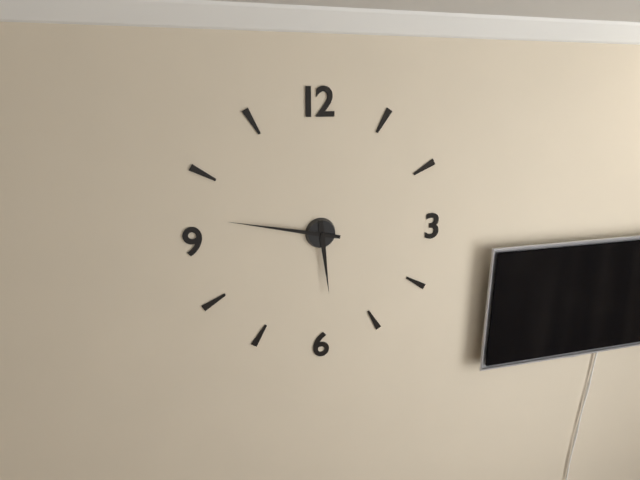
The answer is 5h47
